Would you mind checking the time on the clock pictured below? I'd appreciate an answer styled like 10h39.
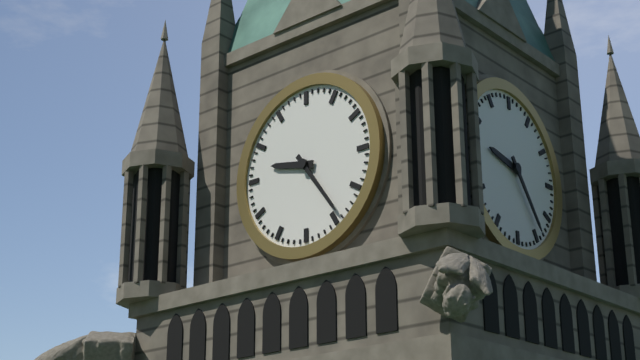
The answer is 9h24
